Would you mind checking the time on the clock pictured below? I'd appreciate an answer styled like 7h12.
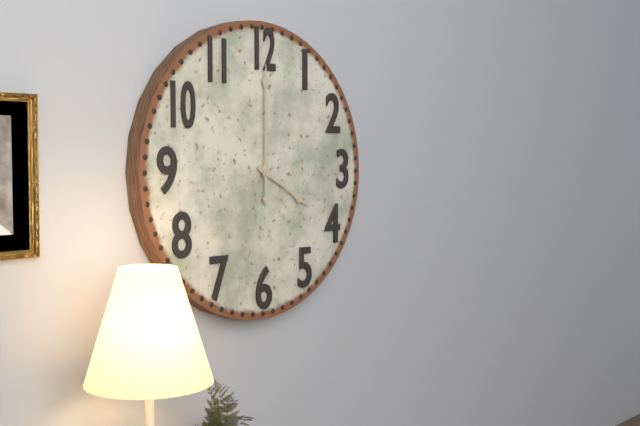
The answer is 4h00
